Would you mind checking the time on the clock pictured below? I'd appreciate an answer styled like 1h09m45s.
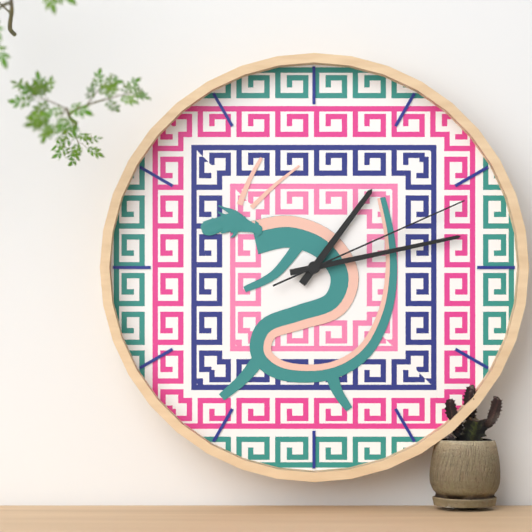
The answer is 1h13m11s
